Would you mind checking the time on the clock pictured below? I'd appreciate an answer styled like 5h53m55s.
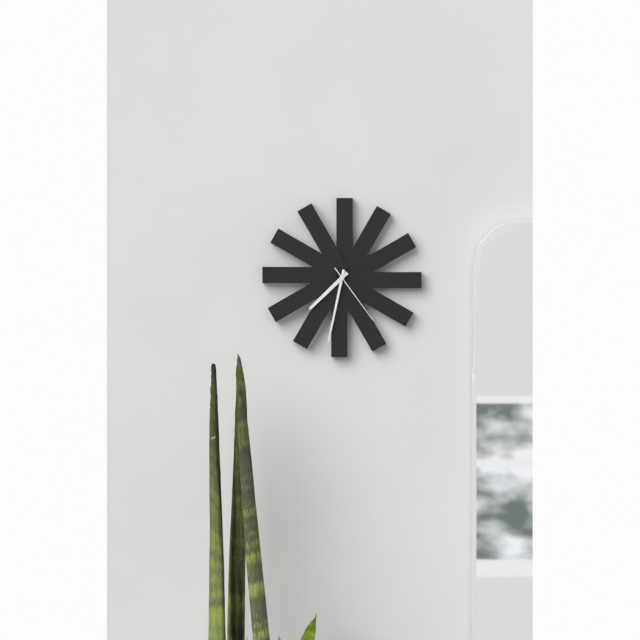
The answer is 7h32m24s
